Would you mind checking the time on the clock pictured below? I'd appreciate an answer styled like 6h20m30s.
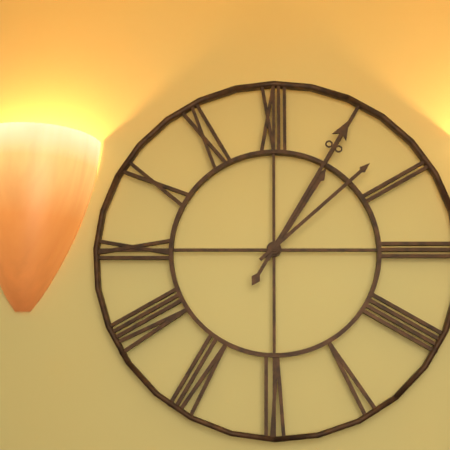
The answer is 1h05m08s
